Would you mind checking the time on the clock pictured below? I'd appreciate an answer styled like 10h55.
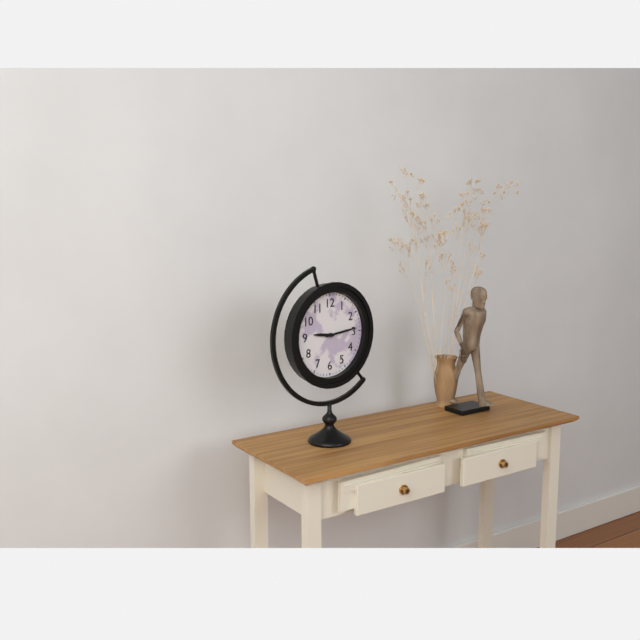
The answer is 9h14
